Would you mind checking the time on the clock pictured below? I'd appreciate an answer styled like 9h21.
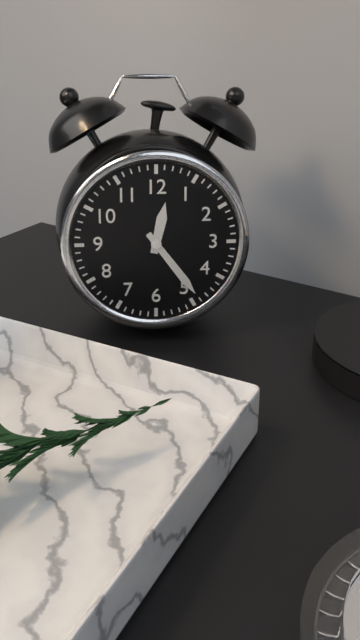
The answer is 12h24
